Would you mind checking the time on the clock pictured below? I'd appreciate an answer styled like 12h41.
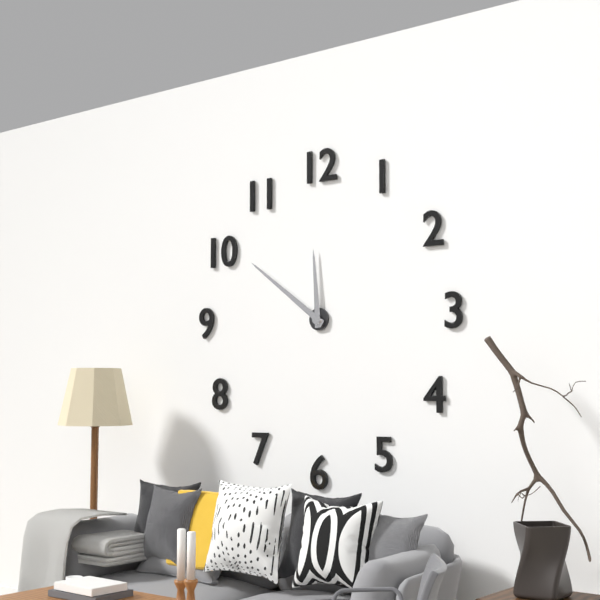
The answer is 11h51
